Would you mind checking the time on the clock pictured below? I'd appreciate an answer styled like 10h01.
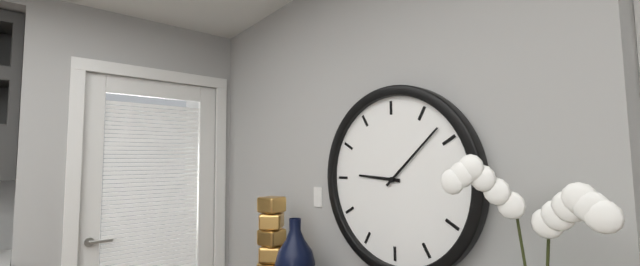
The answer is 9h08
